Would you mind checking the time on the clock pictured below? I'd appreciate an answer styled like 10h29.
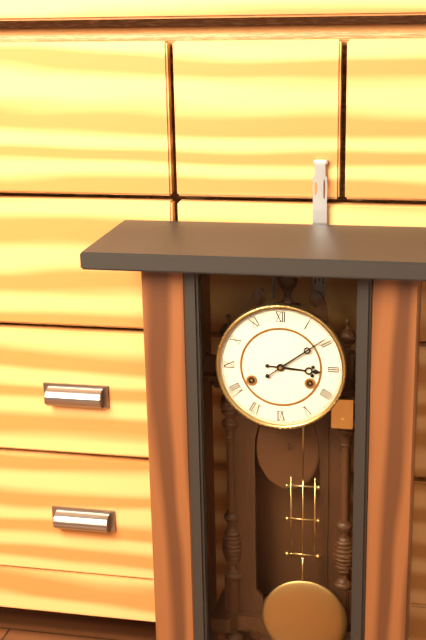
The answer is 3h09
